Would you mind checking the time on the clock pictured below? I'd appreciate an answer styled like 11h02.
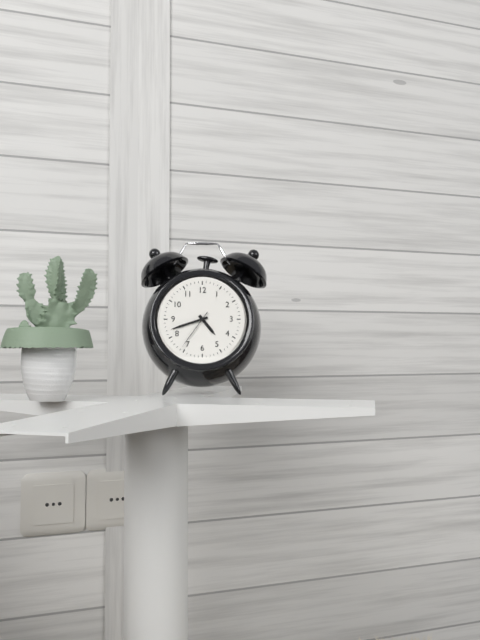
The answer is 4h42
